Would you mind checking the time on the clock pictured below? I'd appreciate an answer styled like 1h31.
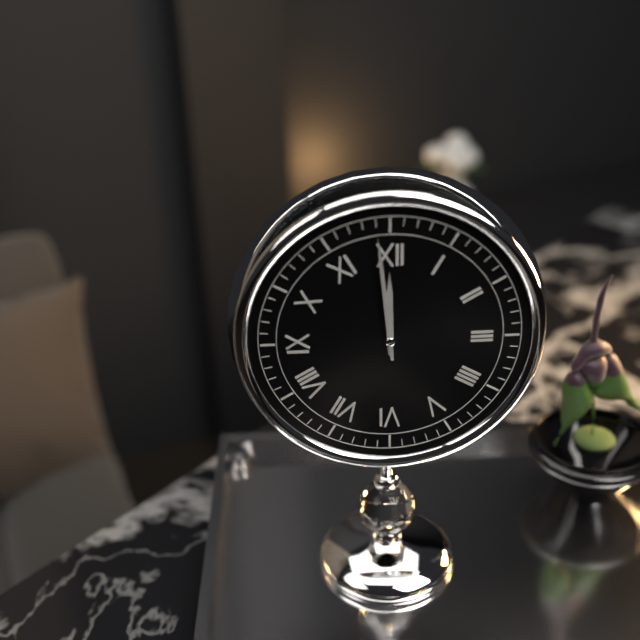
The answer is 11h59
